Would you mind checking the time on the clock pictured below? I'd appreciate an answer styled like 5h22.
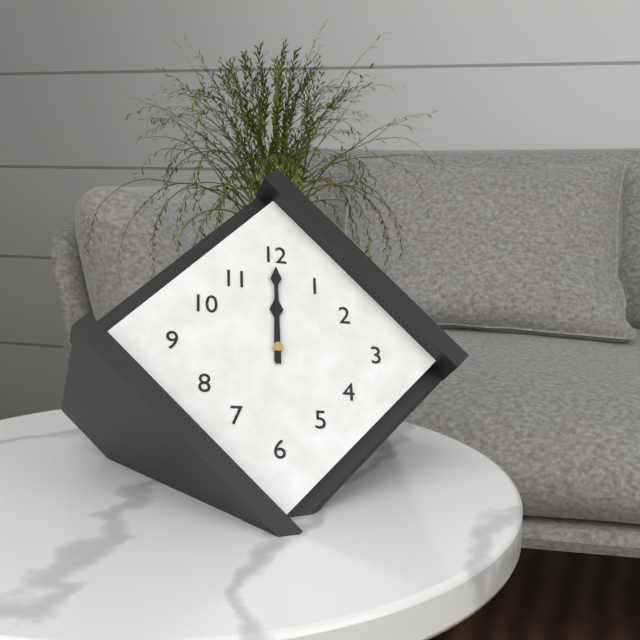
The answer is 12h00
